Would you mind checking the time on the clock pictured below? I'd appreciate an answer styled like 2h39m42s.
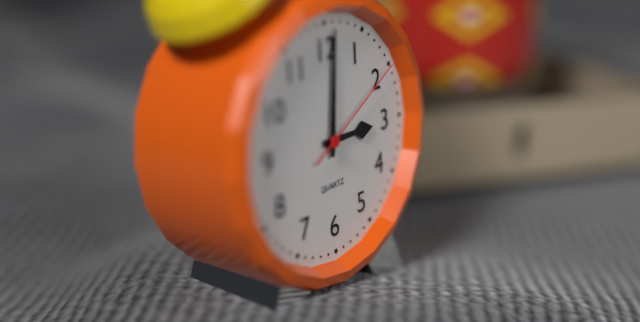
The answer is 3h01m10s
